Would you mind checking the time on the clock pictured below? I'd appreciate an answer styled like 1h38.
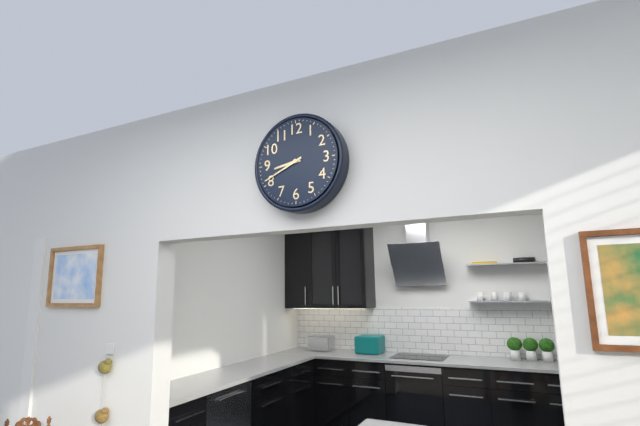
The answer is 8h41
